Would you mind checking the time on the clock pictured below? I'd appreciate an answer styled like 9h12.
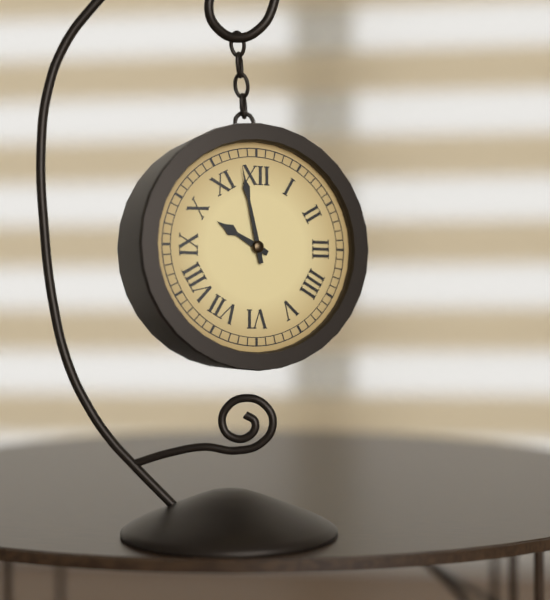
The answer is 9h58
